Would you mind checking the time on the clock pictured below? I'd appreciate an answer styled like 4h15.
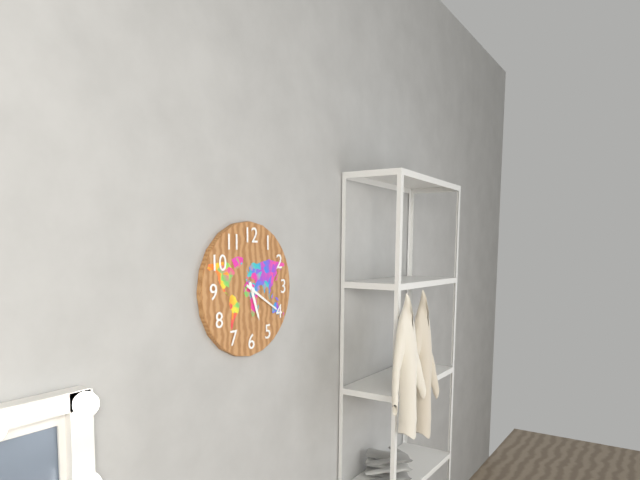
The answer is 5h20
